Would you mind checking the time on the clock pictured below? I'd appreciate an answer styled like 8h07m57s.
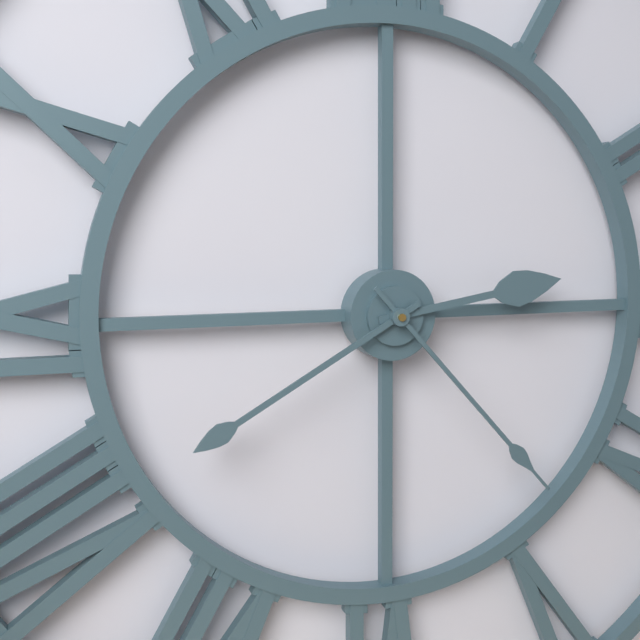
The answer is 2h40m23s
